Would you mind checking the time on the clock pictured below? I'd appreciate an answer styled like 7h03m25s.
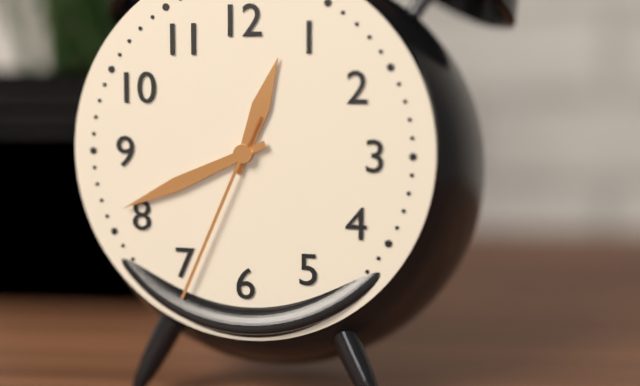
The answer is 12h41m34s
